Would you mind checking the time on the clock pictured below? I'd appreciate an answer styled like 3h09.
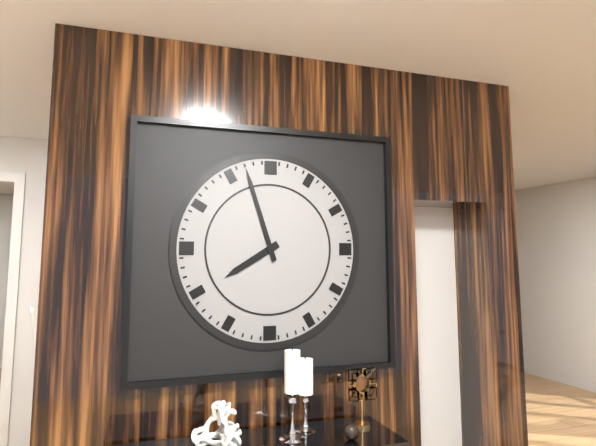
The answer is 7h57
